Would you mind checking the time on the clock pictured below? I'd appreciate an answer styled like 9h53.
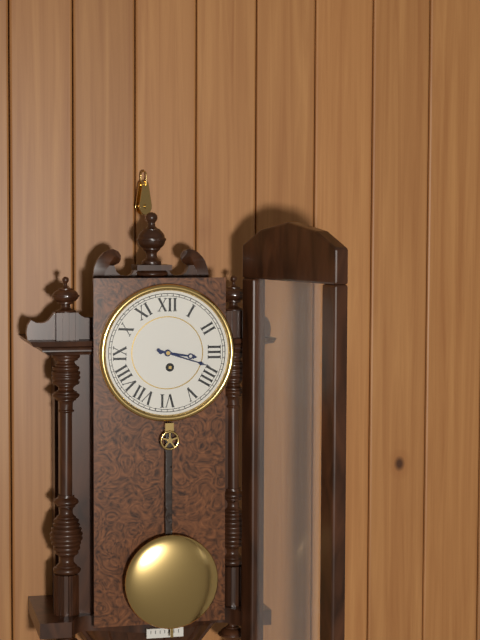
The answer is 3h18
